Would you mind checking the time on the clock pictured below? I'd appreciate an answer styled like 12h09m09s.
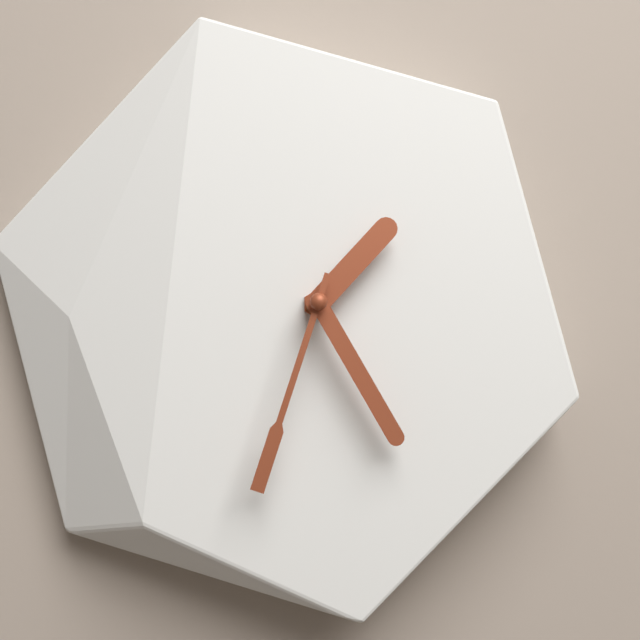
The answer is 1h25m33s
